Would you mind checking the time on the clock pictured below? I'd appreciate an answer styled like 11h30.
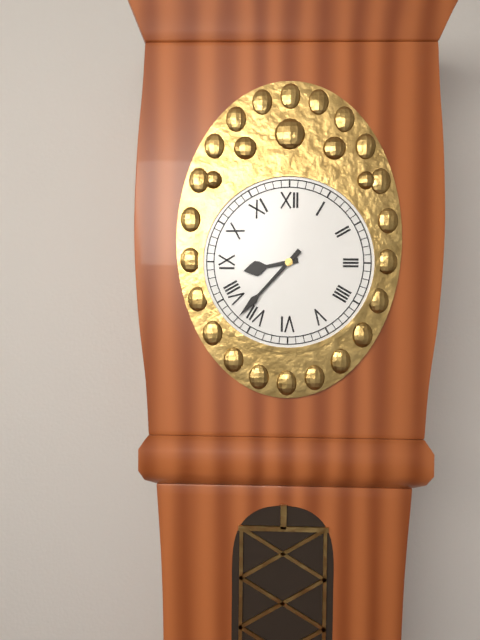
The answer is 8h37
